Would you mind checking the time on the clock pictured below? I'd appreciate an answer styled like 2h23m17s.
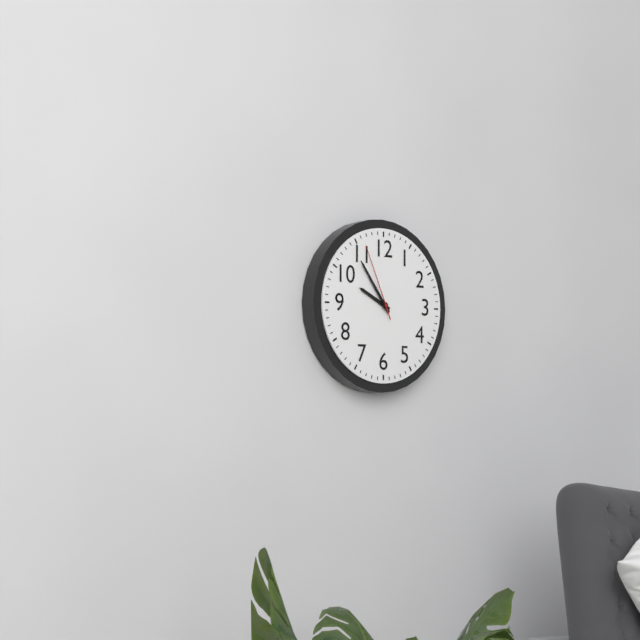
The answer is 9h54m56s
